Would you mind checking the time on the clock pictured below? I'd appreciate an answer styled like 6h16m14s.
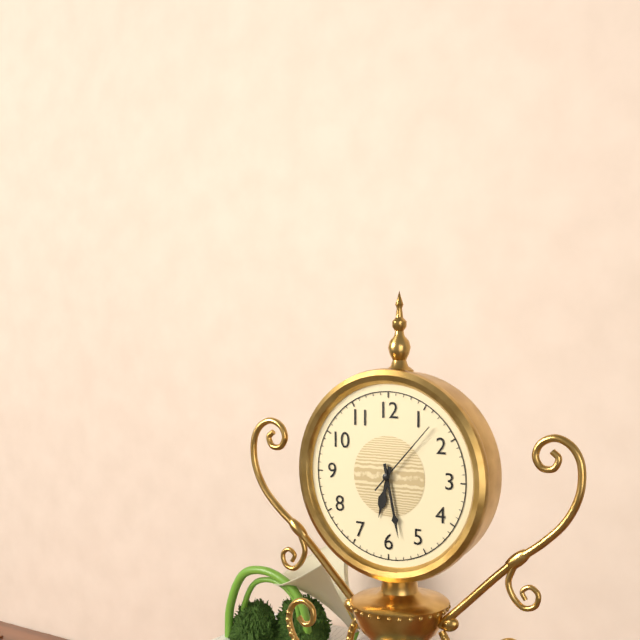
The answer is 6h28m07s
